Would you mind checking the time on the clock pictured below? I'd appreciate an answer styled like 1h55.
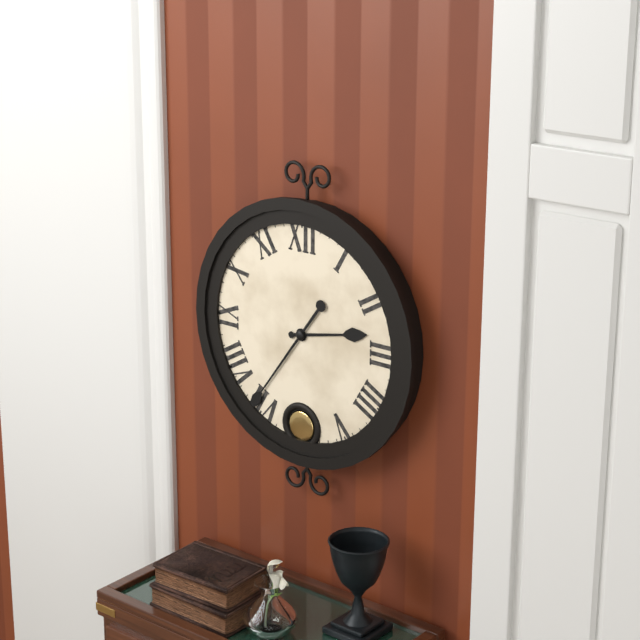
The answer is 2h36
